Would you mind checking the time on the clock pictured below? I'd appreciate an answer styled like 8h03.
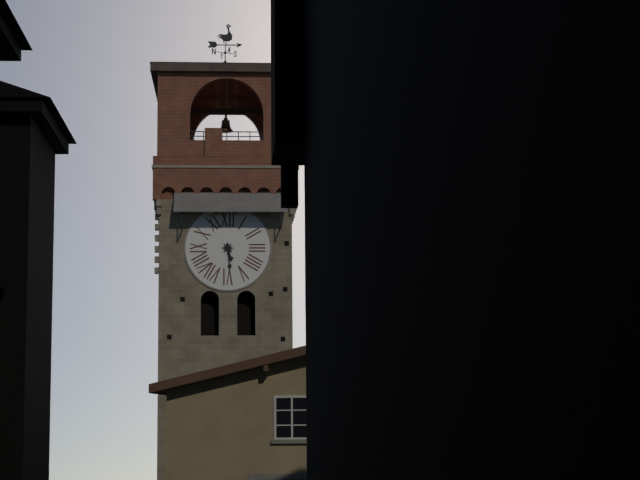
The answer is 5h29
